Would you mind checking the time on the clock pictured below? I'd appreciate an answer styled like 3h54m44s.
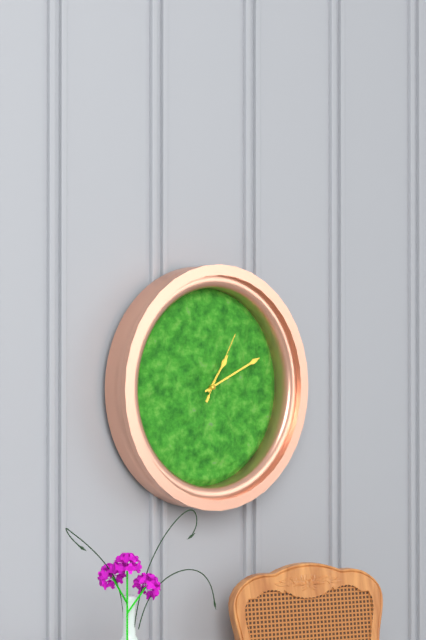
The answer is 1h11m05s
